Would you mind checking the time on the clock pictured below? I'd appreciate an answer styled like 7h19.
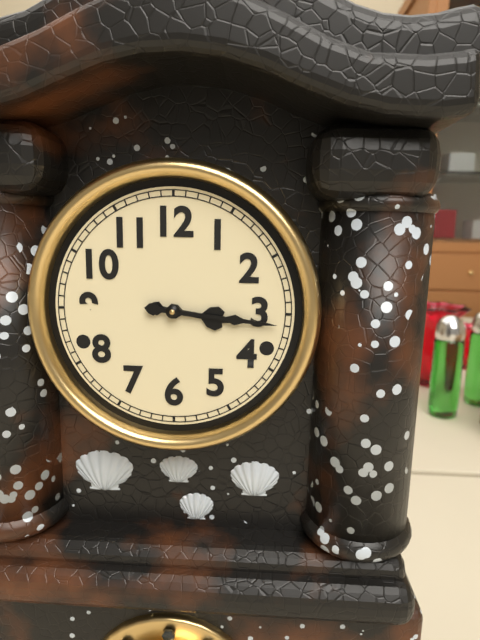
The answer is 3h16
